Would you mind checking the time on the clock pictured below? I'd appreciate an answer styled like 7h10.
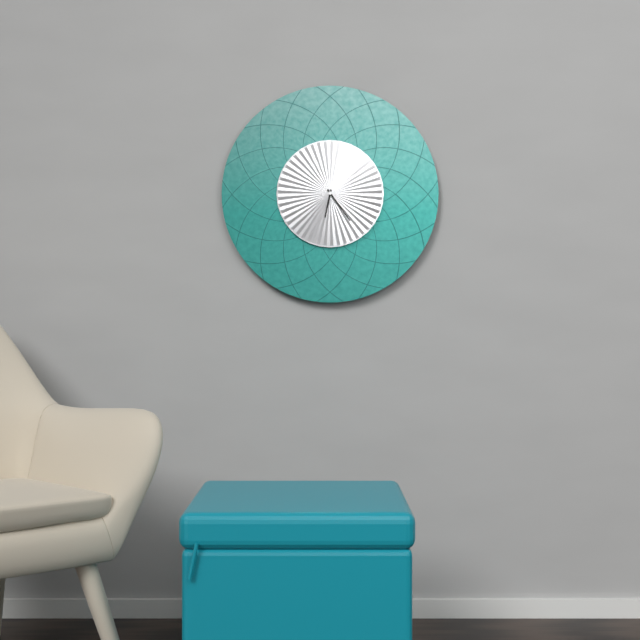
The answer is 6h24
